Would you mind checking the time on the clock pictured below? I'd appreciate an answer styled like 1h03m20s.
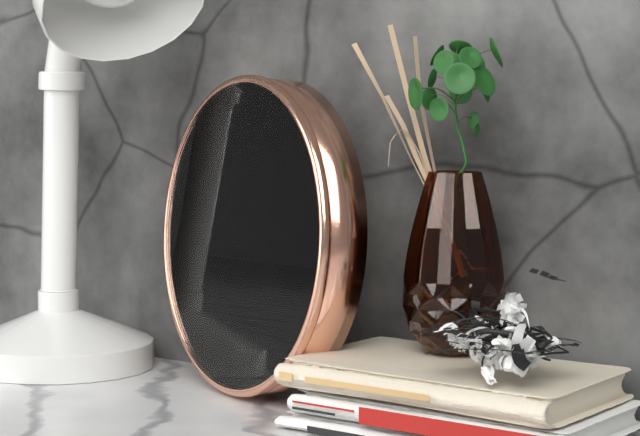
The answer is 3h09m38s
